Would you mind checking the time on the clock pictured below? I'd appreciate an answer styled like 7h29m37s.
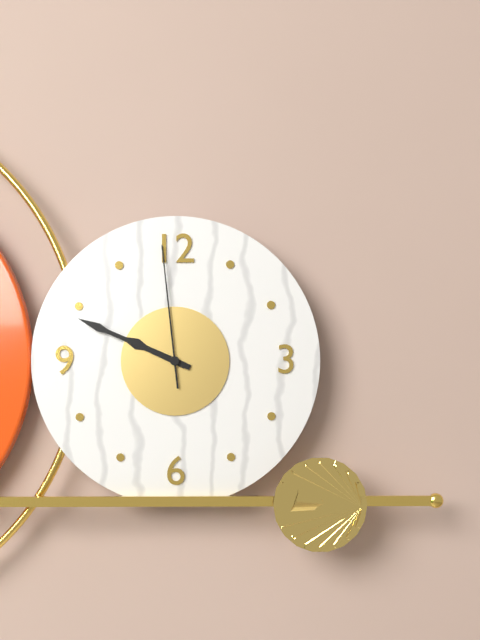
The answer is 9h49m59s
